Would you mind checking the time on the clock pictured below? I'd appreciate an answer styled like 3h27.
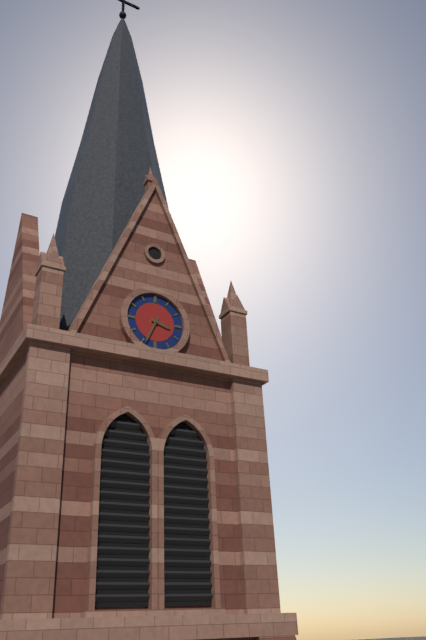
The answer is 3h34
